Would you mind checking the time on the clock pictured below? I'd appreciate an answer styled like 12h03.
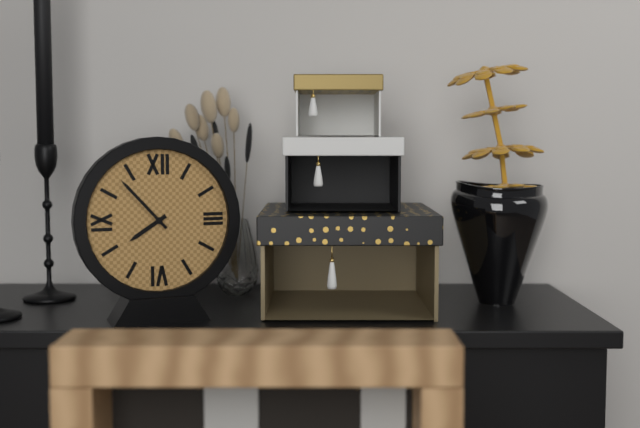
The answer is 7h53
